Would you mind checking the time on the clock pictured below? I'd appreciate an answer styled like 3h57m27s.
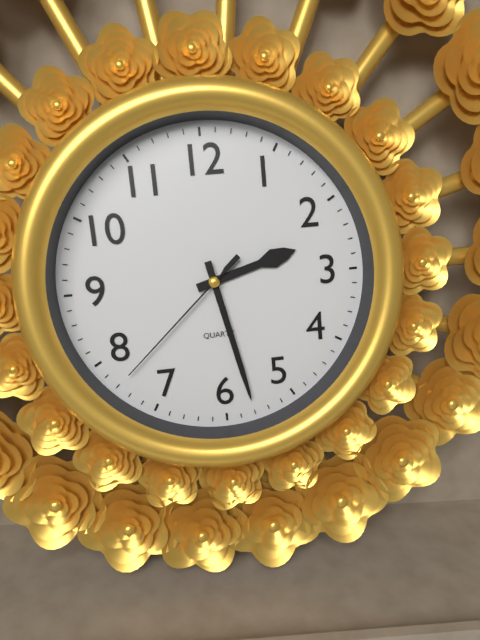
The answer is 2h28m38s
